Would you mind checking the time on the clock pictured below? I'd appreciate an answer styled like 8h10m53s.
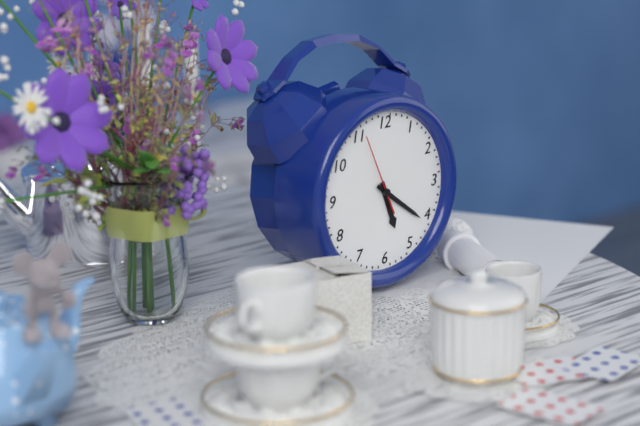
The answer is 5h21m56s
